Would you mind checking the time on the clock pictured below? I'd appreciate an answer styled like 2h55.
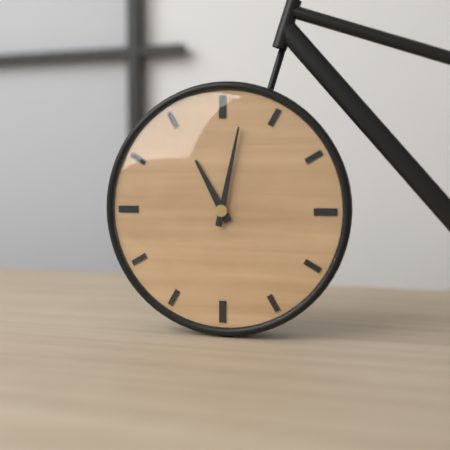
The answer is 11h02
